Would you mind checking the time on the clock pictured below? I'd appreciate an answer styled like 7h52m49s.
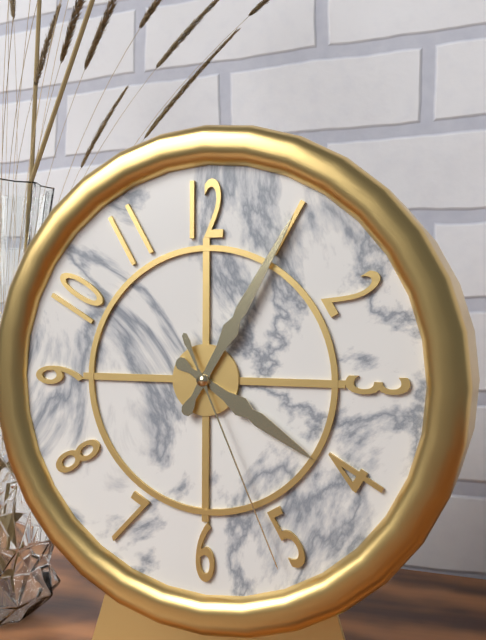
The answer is 4h05m26s
